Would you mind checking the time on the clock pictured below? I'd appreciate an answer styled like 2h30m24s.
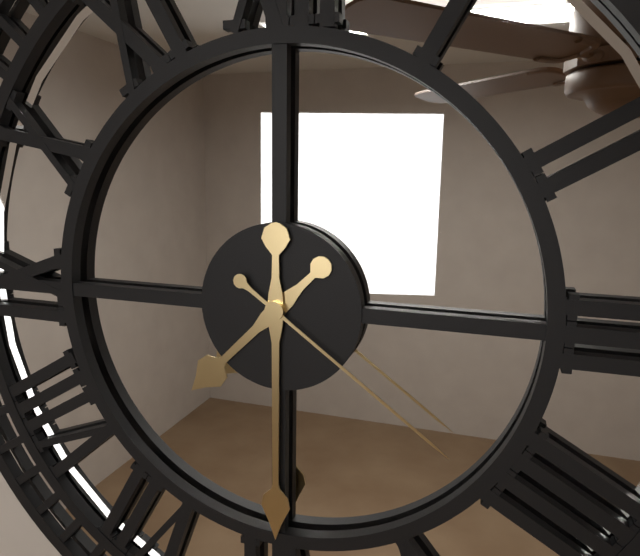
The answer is 7h30m21s
